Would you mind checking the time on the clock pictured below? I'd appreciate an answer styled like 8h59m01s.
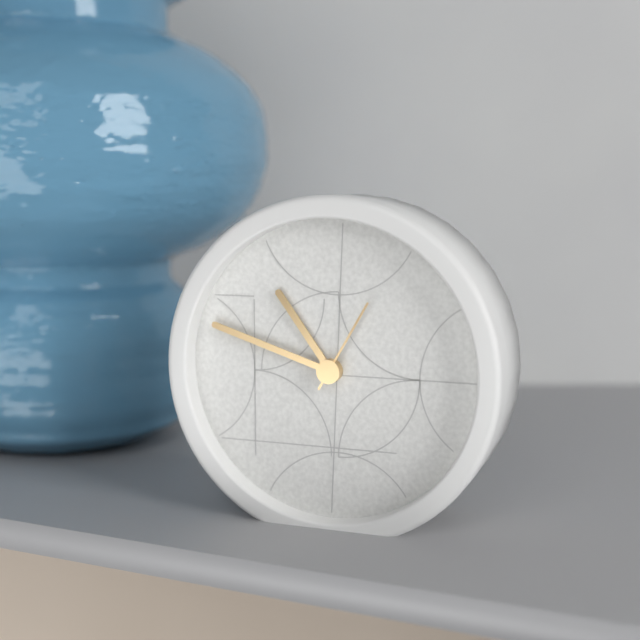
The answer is 10h48m05s
